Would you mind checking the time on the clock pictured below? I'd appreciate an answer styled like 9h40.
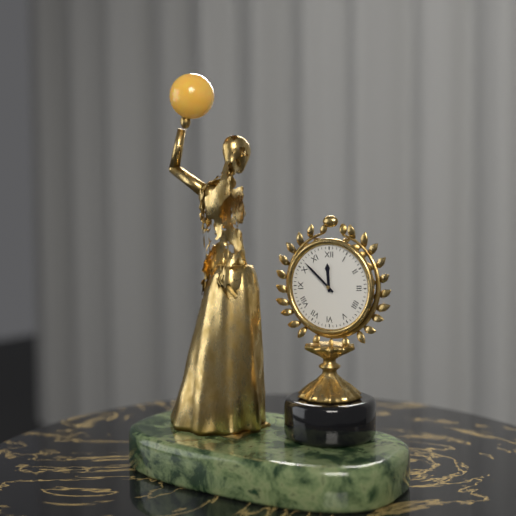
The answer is 11h52
